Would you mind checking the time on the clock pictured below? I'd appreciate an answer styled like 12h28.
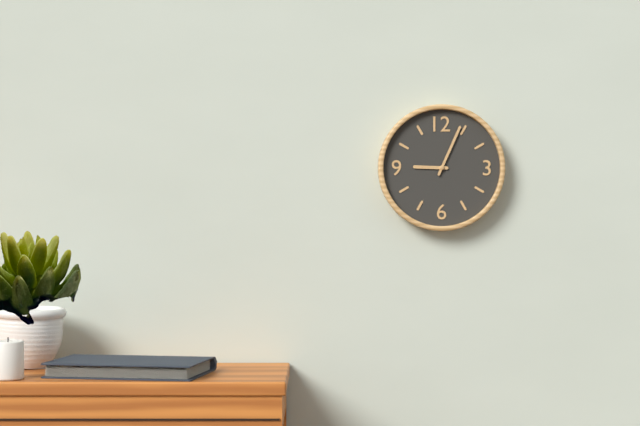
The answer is 9h04
